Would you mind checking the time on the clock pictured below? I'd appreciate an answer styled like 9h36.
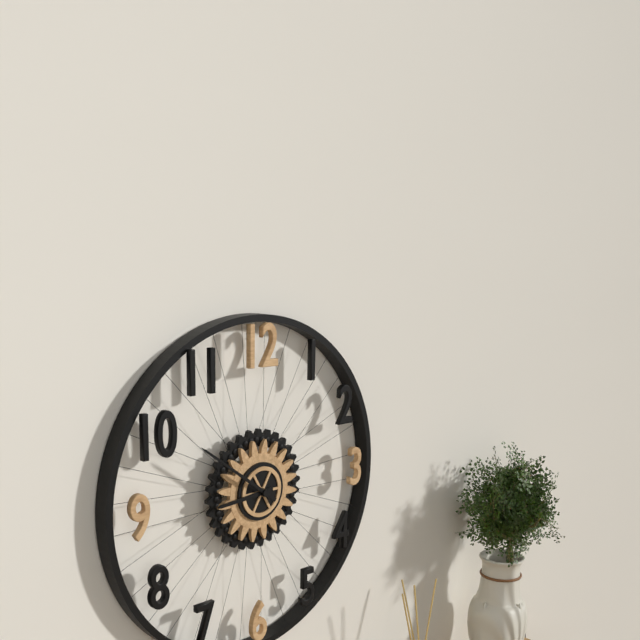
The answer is 8h51
